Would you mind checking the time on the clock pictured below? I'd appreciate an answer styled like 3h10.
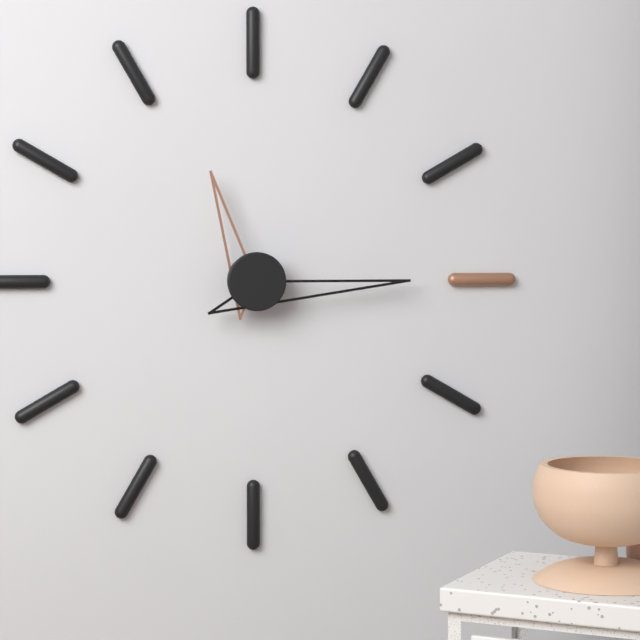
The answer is 11h15
